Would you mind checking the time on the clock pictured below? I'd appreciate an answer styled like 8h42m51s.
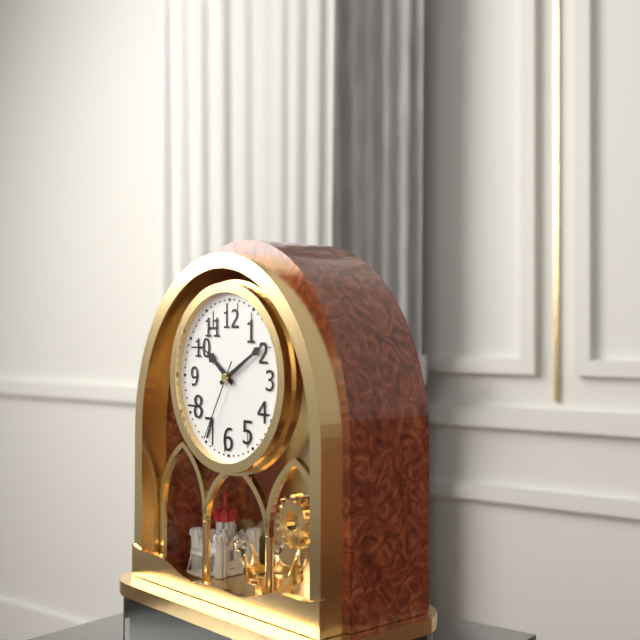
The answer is 10h10m35s
